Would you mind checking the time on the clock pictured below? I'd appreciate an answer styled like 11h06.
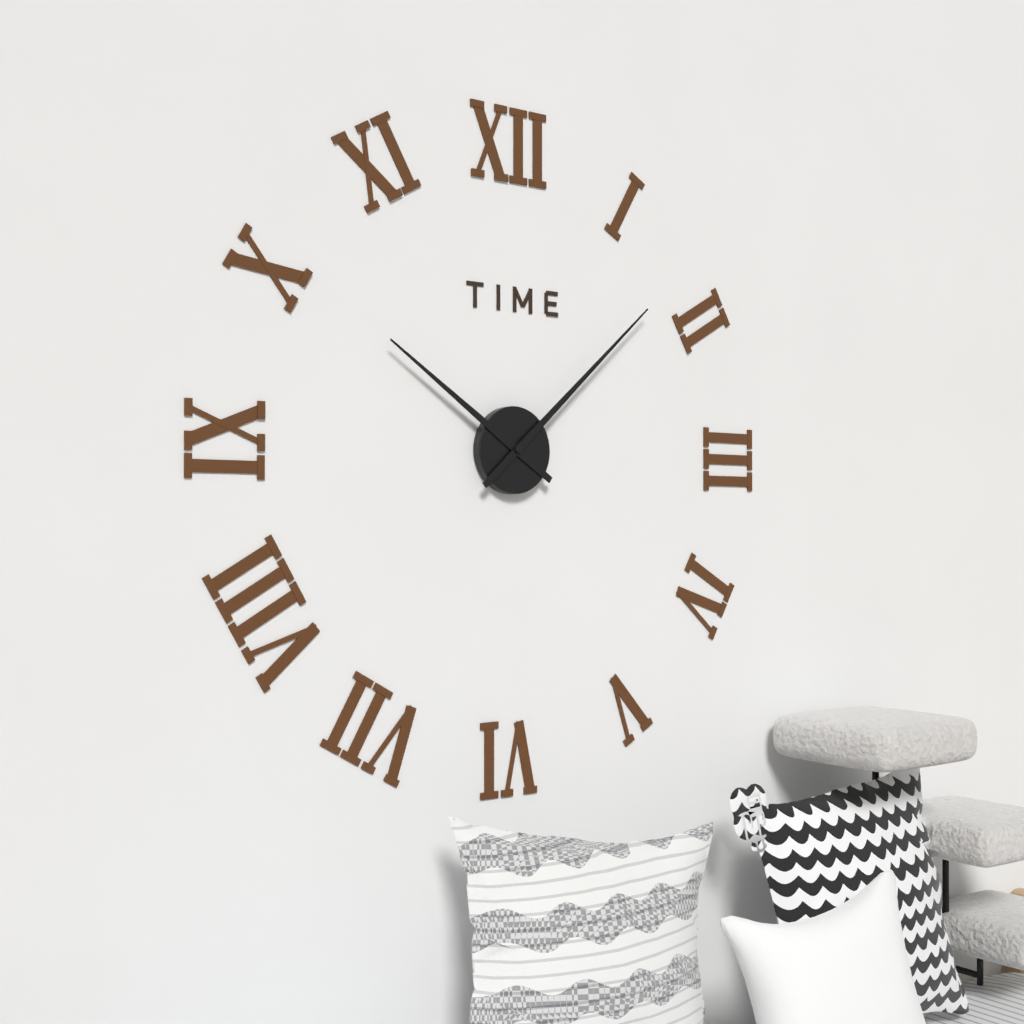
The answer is 10h08
